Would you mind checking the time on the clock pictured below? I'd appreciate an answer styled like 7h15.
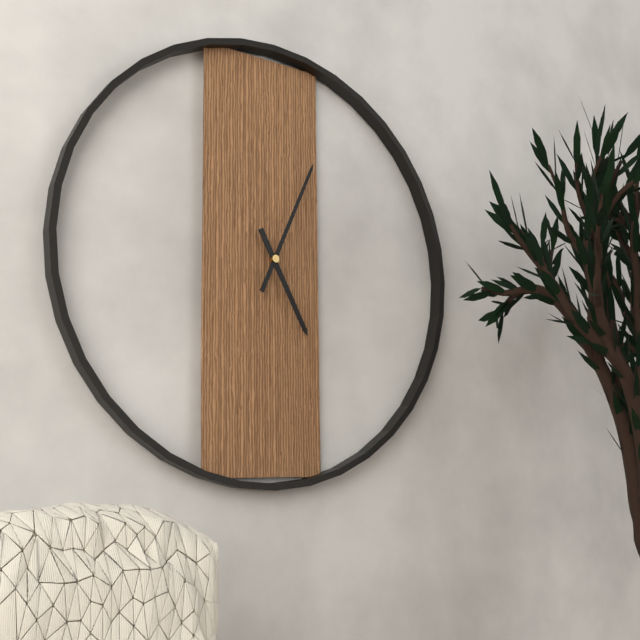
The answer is 5h04
